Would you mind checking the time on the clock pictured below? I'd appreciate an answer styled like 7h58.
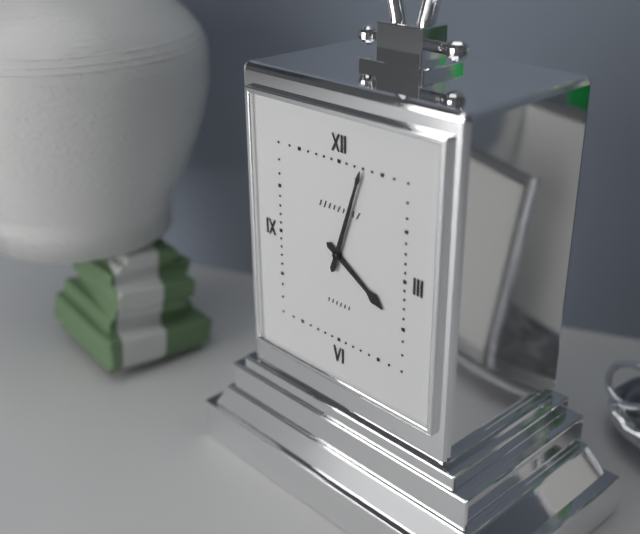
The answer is 4h03
